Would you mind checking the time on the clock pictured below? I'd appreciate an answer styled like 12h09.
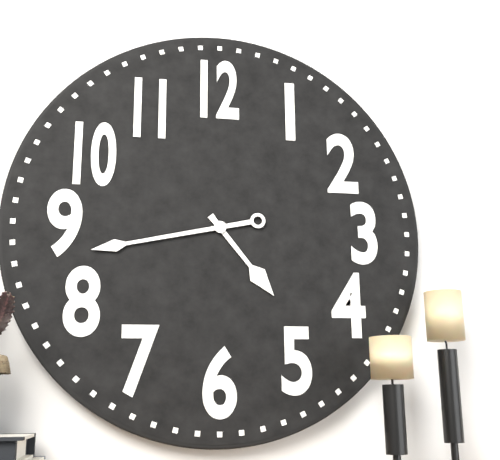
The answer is 4h43
